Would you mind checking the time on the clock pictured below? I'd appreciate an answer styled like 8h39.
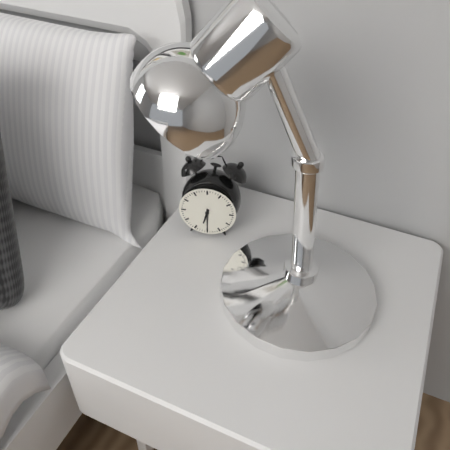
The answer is 6h30
